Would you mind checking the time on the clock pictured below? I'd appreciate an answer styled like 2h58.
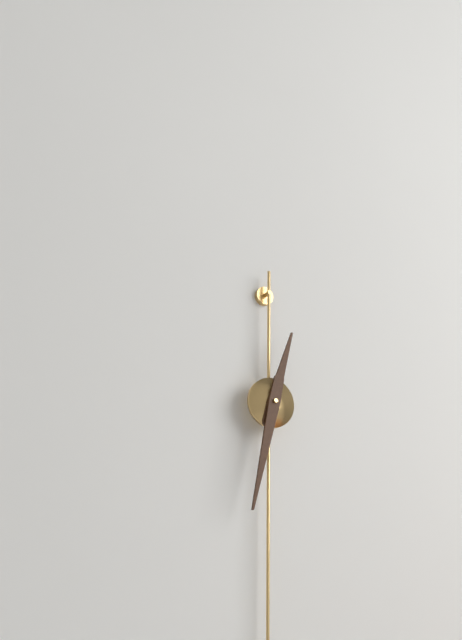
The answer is 12h32
